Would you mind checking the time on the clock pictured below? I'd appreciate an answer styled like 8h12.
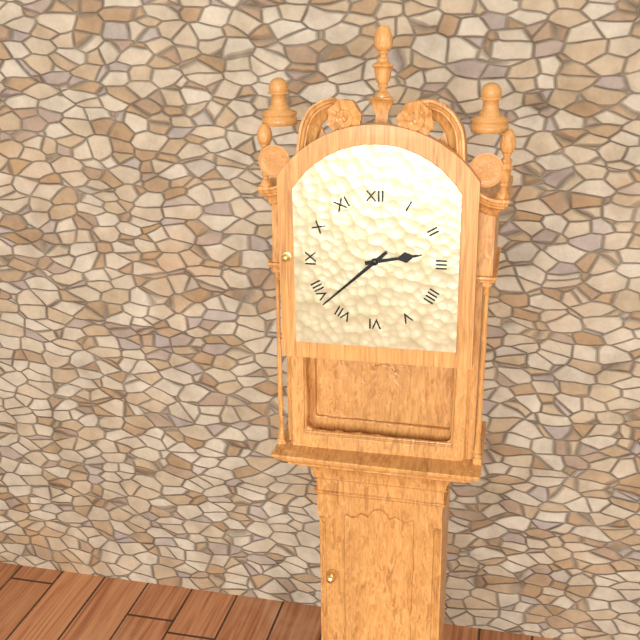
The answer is 2h38
